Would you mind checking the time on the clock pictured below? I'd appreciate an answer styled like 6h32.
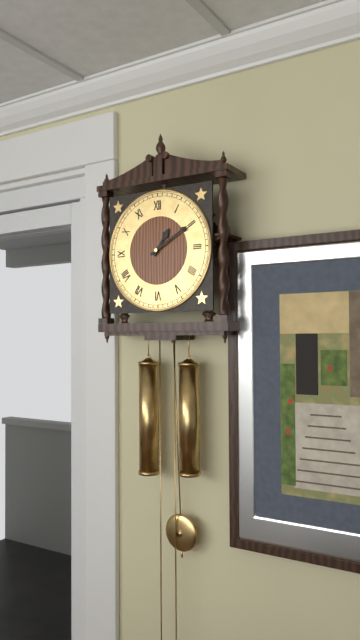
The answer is 1h10
